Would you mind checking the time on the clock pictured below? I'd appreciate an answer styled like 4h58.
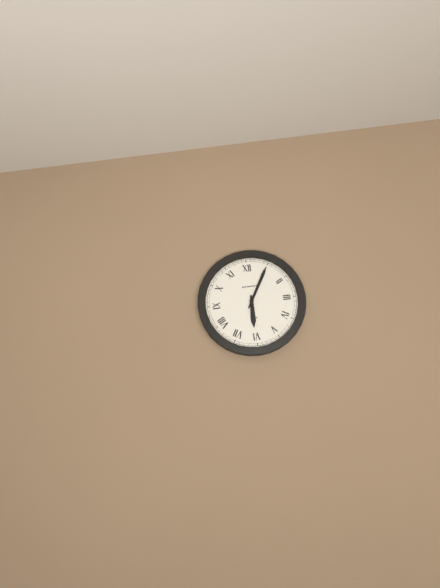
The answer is 6h05
